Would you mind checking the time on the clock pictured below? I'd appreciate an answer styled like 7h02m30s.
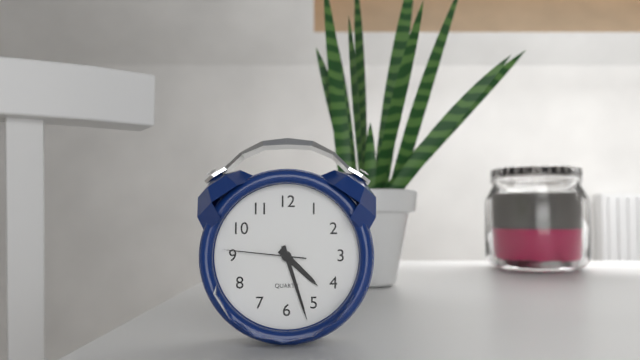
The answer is 4h27m46s
